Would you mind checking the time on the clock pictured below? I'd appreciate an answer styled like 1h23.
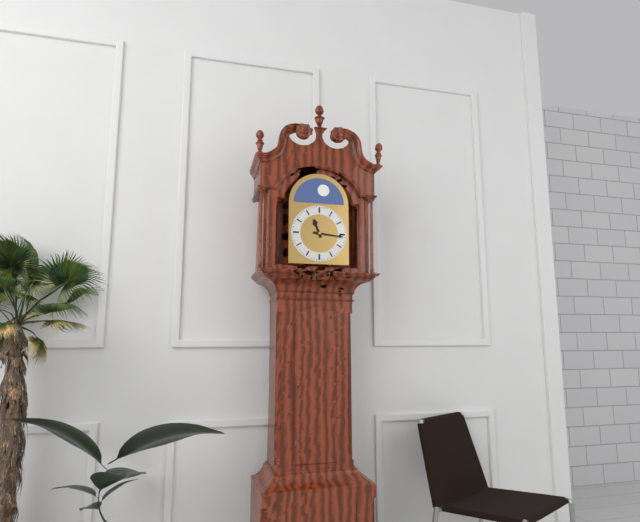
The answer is 11h16
